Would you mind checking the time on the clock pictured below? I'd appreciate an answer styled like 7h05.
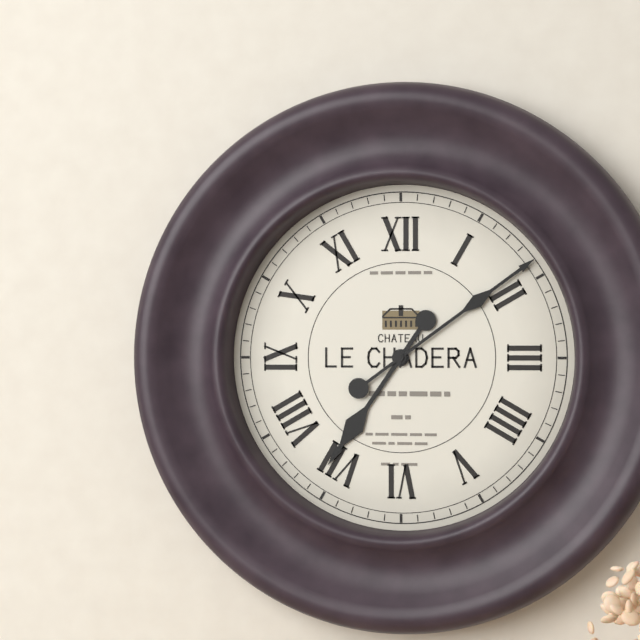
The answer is 7h09
